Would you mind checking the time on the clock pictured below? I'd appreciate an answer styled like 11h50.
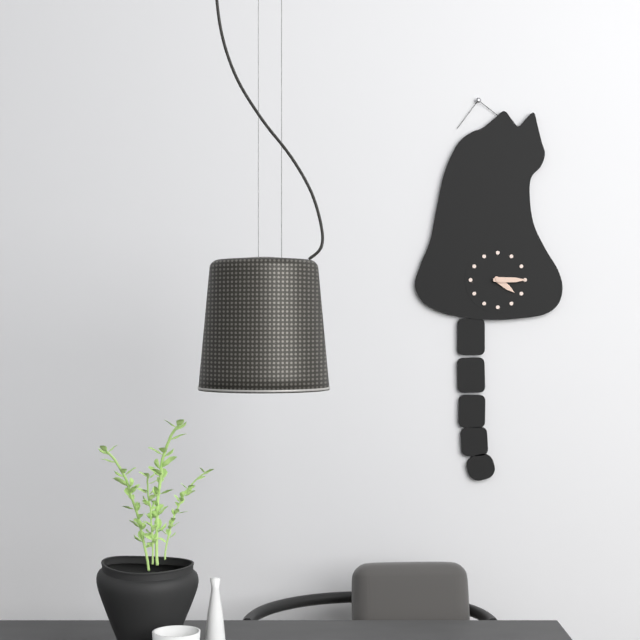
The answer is 4h15
